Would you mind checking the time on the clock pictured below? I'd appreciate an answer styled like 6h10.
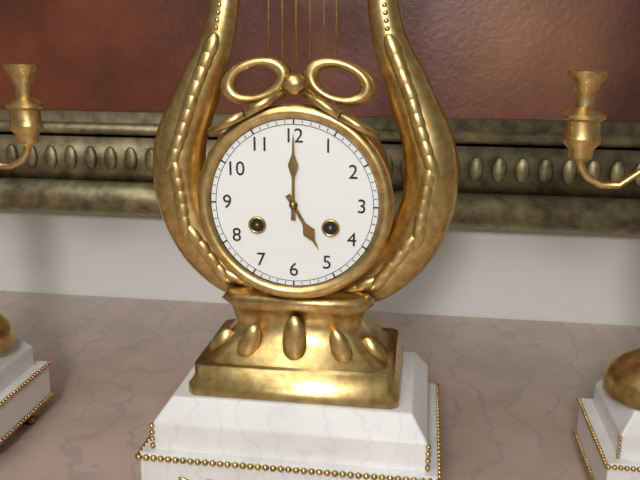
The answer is 5h00
